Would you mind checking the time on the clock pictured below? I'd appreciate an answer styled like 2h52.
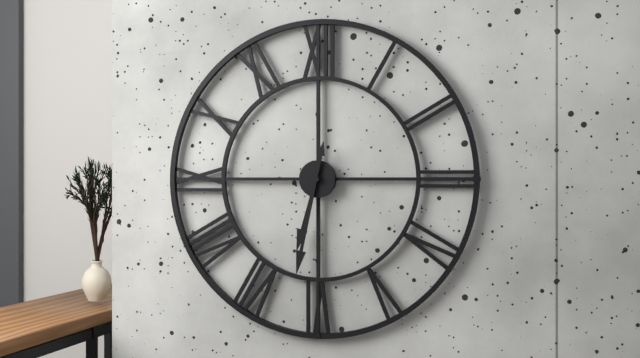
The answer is 6h32
